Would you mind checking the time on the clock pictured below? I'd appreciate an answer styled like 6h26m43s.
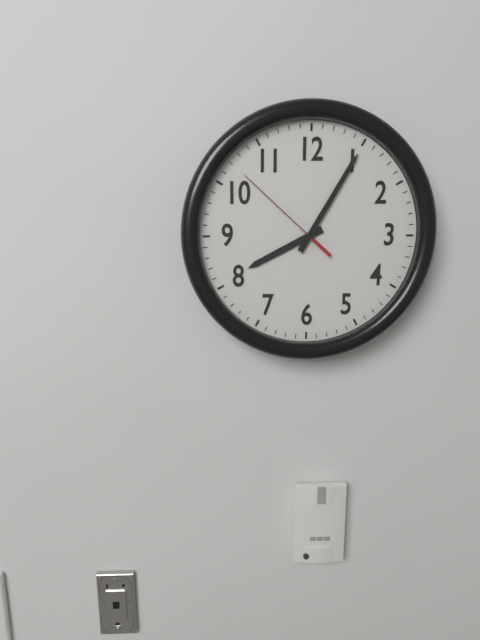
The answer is 8h05m52s
